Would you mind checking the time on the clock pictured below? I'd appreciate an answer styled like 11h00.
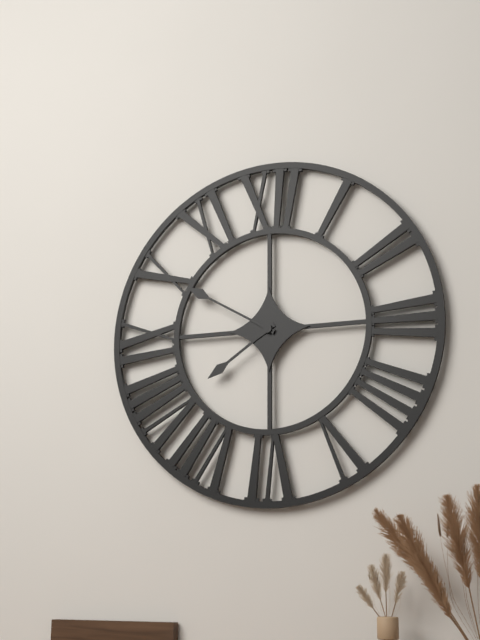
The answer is 7h50
